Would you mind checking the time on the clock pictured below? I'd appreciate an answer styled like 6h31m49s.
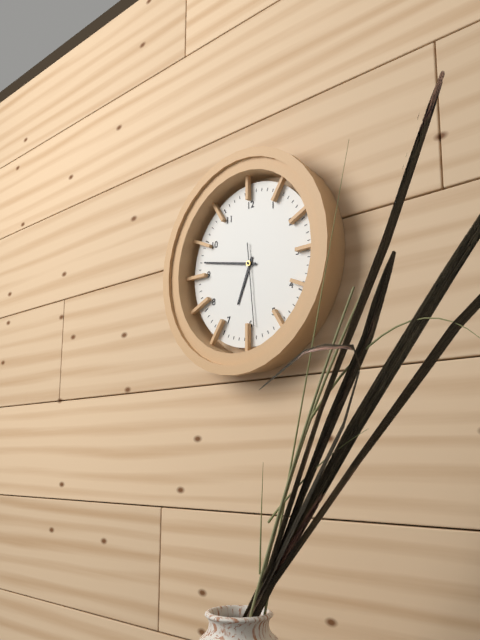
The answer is 6h47m29s
